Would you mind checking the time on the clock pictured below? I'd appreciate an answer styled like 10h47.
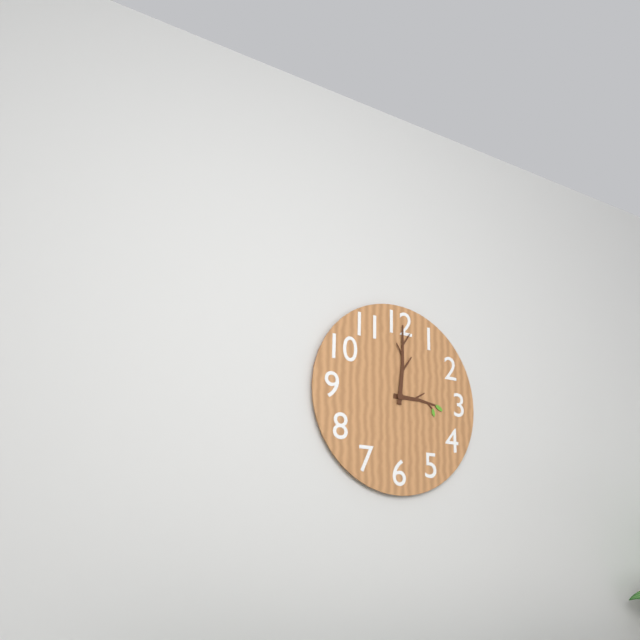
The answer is 3h01
